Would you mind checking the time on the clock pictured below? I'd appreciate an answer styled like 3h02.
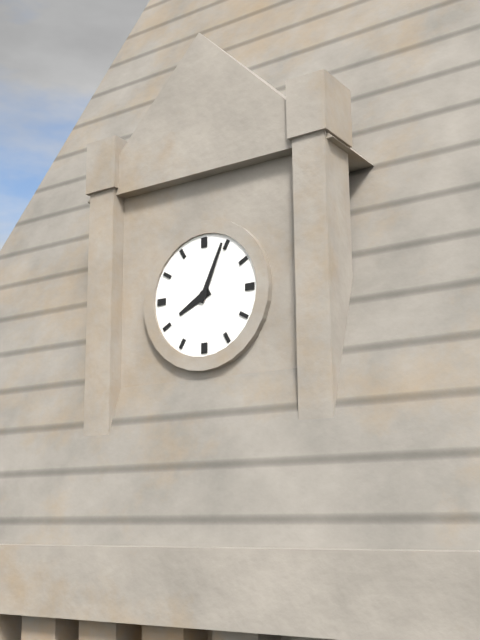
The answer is 8h04
